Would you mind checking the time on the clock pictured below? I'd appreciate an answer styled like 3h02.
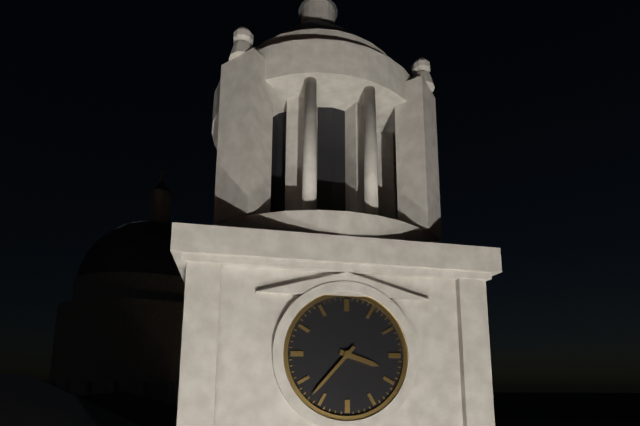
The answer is 3h37
